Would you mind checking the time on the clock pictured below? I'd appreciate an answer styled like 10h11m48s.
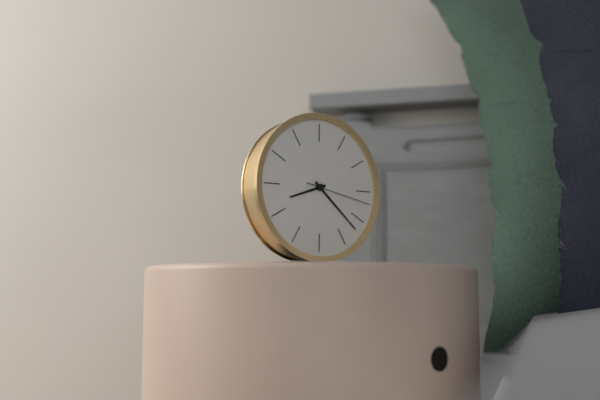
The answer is 8h22m17s
